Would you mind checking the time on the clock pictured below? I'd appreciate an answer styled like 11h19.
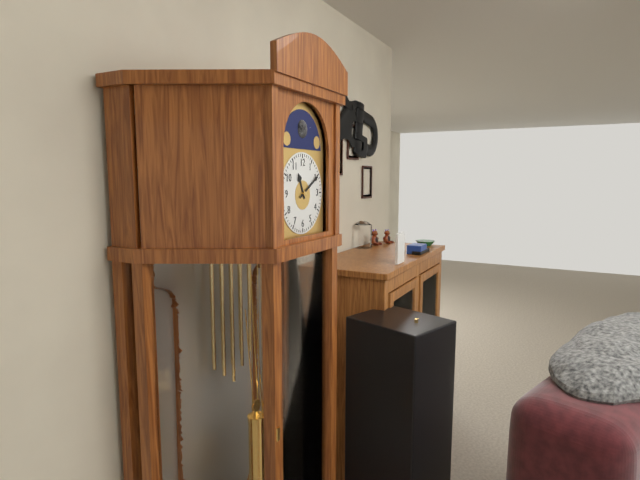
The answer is 11h10
